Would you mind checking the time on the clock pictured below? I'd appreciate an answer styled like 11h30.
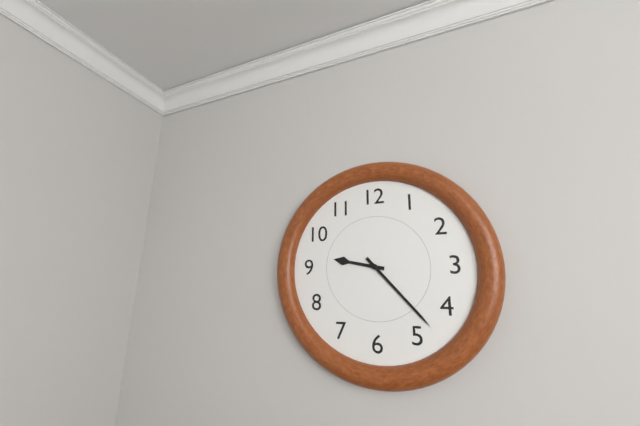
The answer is 9h23
